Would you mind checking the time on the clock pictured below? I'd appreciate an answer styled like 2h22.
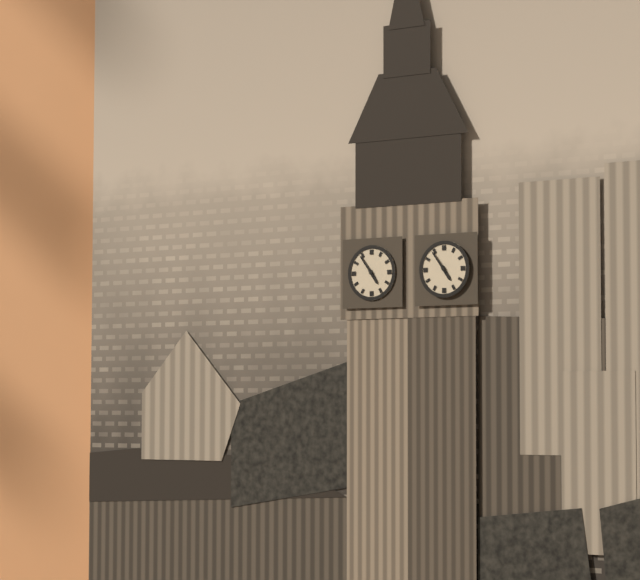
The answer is 4h54
